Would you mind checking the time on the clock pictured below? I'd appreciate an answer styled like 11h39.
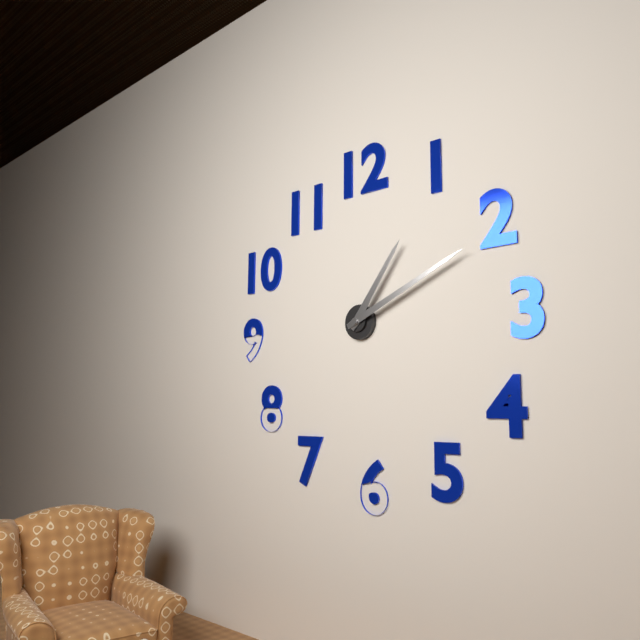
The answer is 1h11
